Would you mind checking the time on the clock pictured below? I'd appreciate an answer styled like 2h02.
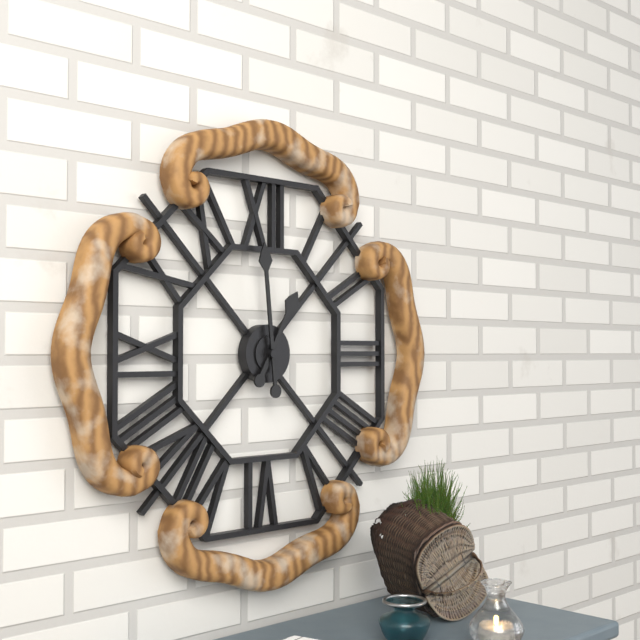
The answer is 12h59
